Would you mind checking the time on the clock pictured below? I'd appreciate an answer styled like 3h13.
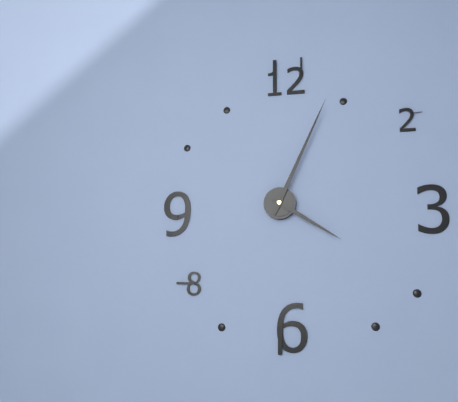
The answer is 4h04
